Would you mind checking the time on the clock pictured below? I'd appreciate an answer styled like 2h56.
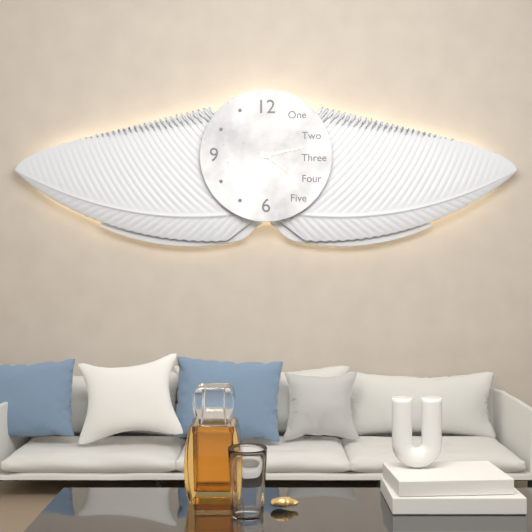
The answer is 4h13
